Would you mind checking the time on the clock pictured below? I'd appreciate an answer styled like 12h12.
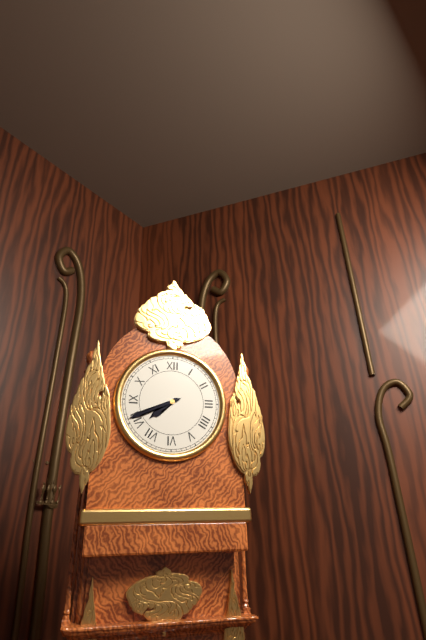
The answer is 7h41
